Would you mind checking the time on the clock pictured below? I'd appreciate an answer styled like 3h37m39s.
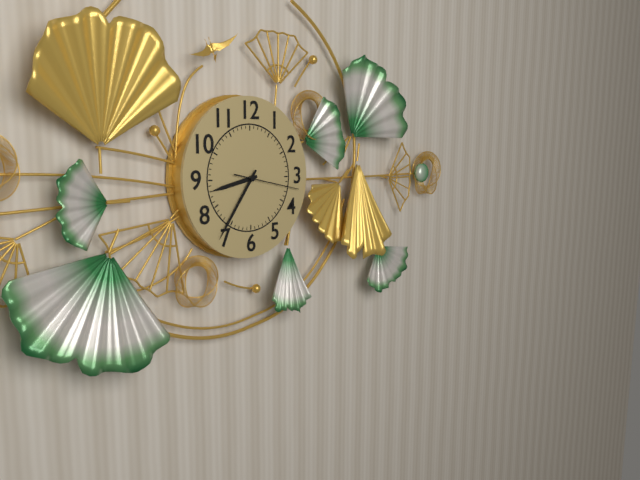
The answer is 8h36m17s
